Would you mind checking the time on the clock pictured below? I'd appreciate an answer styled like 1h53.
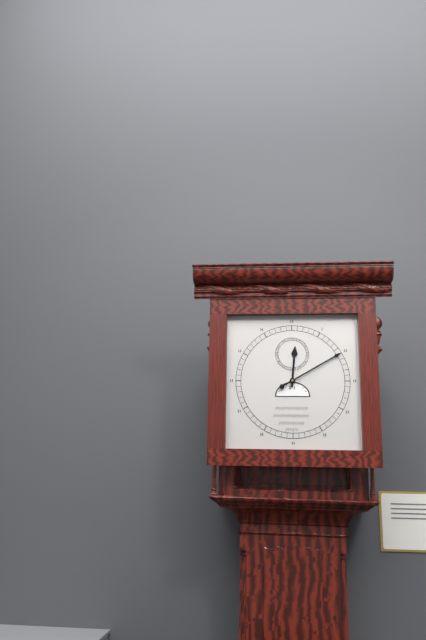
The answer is 12h10
